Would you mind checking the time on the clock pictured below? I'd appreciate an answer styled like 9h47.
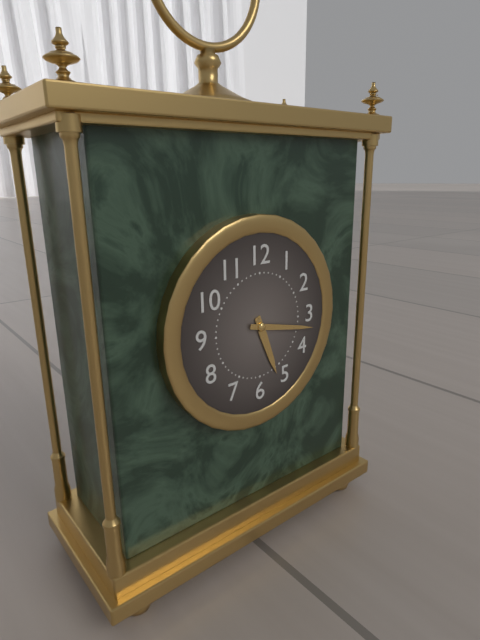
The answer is 5h17
